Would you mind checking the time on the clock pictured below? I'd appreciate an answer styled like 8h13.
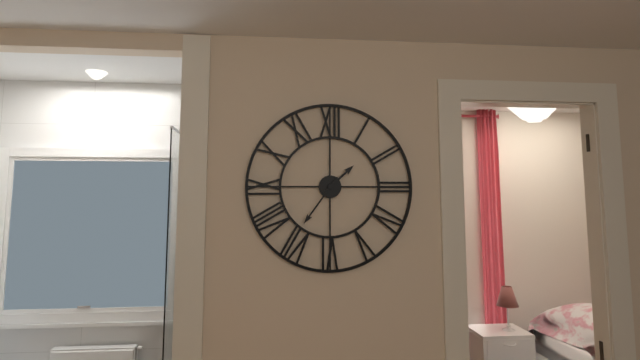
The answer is 1h36
